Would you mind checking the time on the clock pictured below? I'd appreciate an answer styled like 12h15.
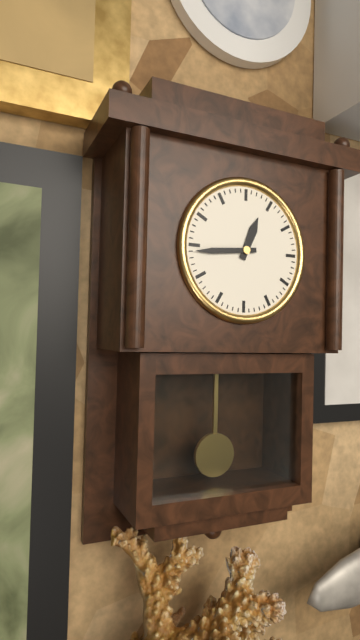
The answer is 12h44
